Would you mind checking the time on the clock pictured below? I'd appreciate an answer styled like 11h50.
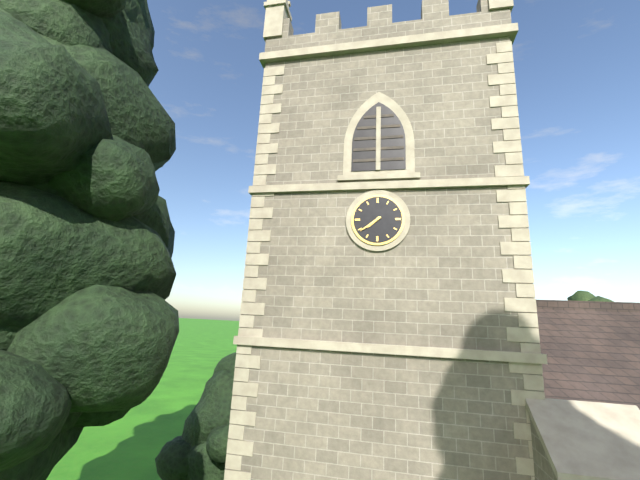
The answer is 7h39
